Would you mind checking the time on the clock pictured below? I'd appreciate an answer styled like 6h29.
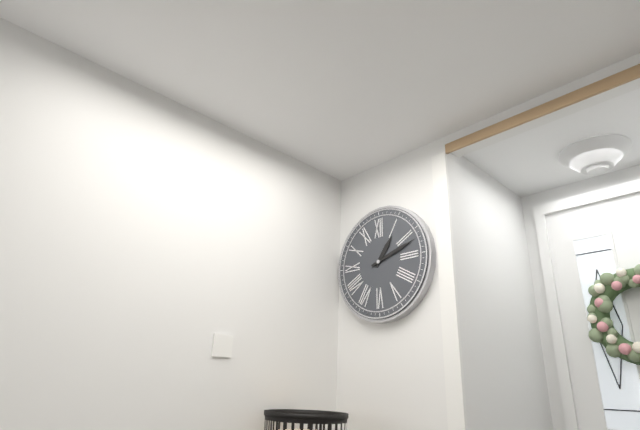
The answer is 1h12
